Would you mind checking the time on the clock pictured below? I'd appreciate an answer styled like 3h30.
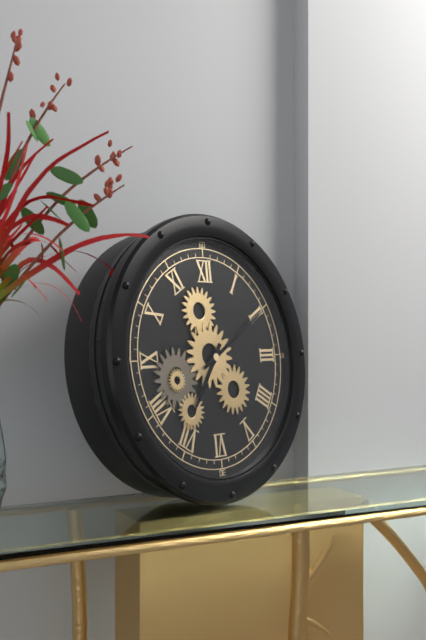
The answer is 7h10
